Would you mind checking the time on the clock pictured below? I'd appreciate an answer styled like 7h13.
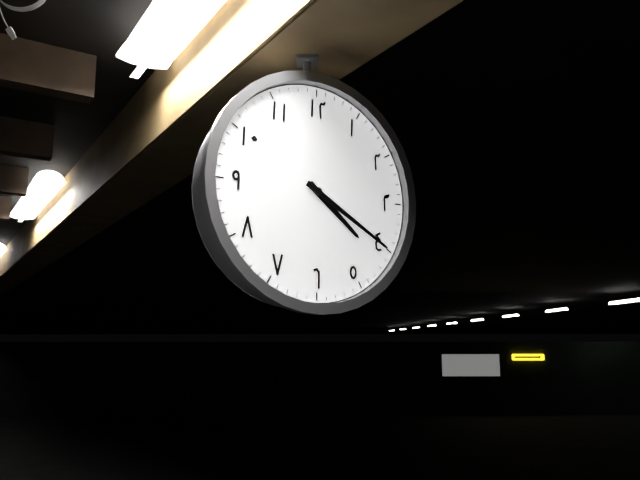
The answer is 4h20
